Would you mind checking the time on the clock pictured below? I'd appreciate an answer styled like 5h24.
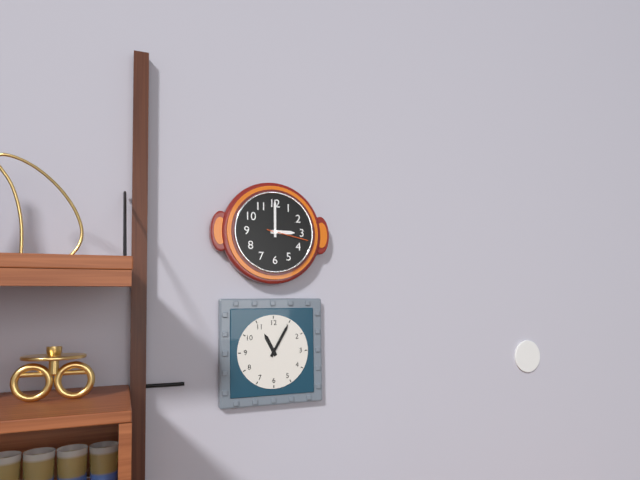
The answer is 3h00
